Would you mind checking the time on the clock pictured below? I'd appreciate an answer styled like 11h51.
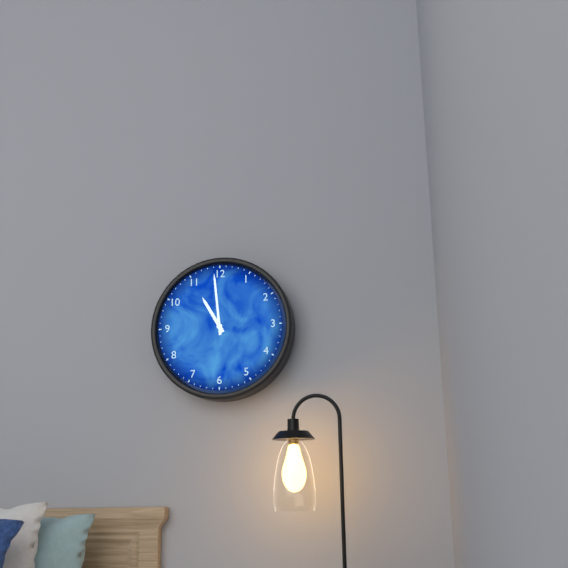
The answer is 10h59
